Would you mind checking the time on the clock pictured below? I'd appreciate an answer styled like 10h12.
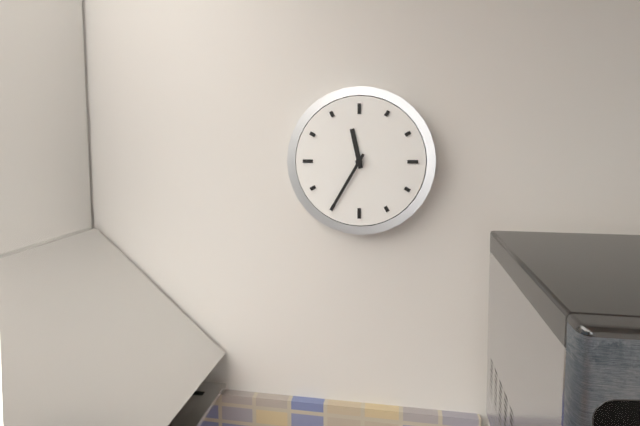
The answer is 11h35
